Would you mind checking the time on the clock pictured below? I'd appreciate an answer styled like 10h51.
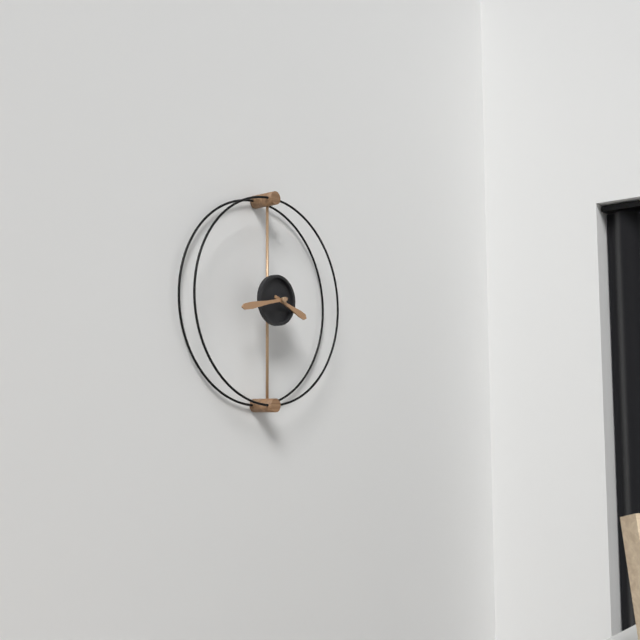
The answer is 3h43
